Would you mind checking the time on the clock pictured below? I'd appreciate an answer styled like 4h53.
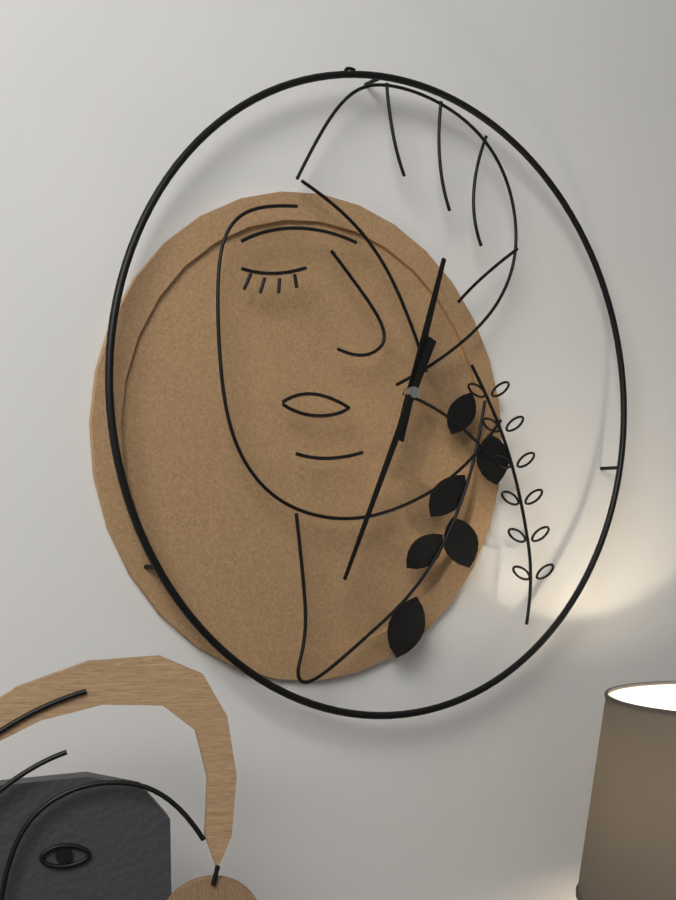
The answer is 12h34
